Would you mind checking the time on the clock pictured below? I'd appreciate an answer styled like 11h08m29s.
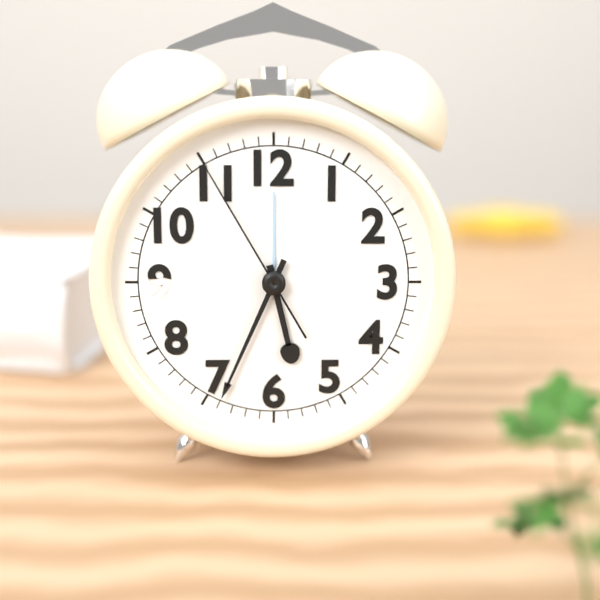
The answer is 5h34m55s
